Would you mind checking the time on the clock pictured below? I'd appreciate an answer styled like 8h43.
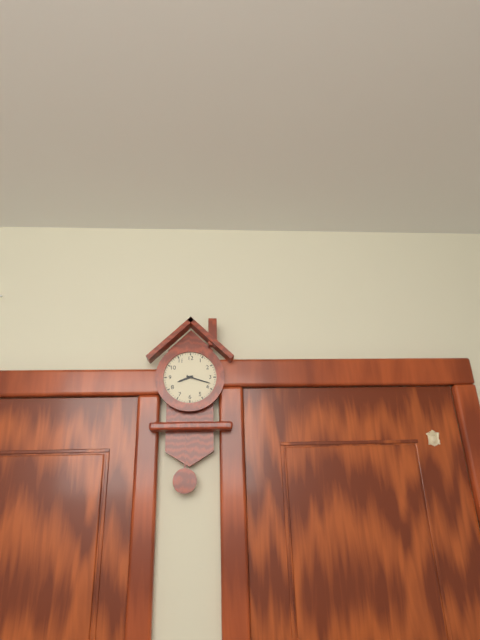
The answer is 8h18
